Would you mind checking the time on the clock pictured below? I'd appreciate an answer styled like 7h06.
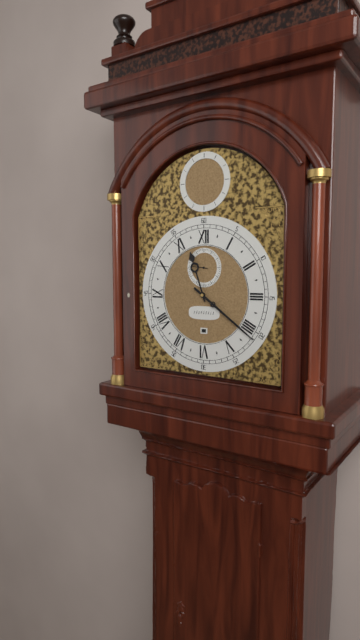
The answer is 11h21
